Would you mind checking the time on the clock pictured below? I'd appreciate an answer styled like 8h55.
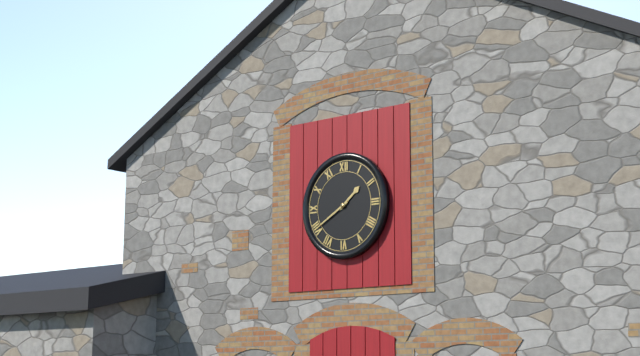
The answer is 1h40
